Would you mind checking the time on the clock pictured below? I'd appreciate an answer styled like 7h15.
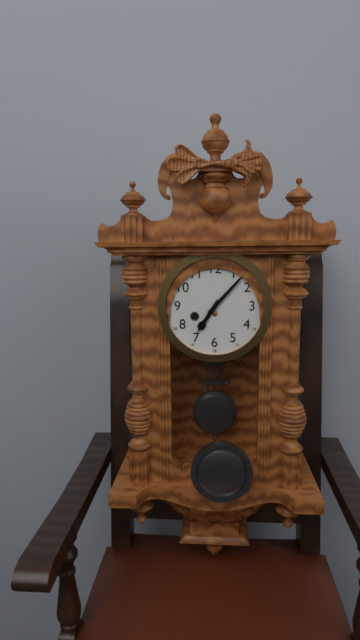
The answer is 7h07
